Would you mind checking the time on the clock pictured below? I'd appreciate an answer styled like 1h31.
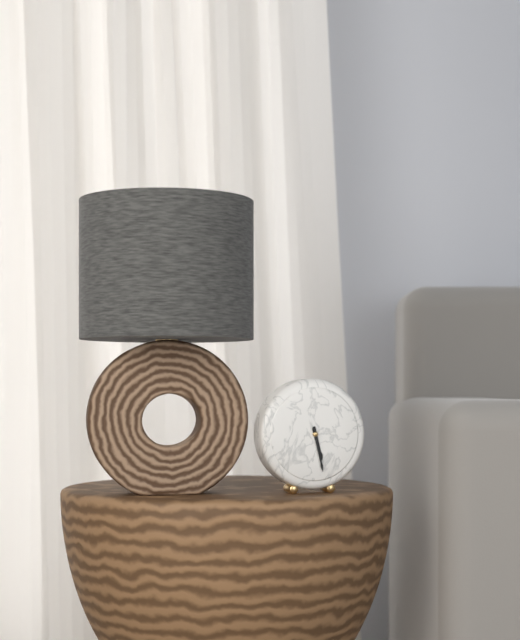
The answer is 5h28
